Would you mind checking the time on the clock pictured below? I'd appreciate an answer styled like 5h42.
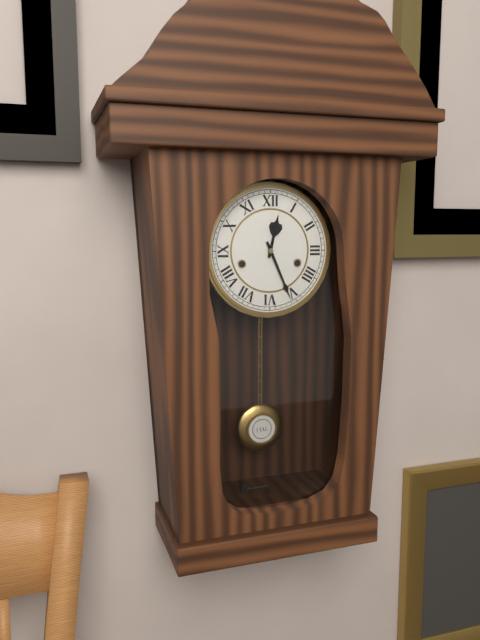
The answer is 12h26
